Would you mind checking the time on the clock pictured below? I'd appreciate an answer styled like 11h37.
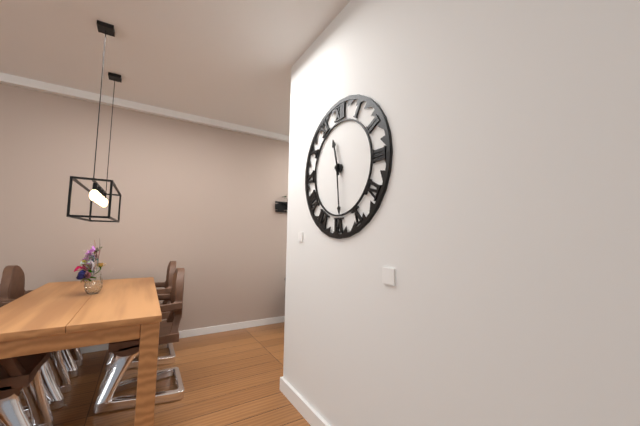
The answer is 11h29
